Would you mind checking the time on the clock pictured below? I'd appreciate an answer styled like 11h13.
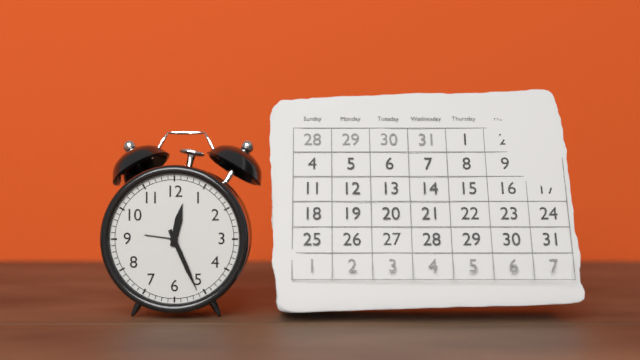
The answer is 12h26
